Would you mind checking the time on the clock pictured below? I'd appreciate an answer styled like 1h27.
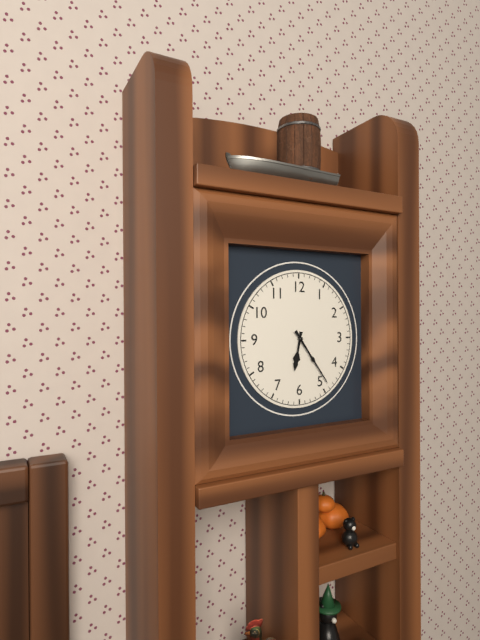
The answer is 6h24
